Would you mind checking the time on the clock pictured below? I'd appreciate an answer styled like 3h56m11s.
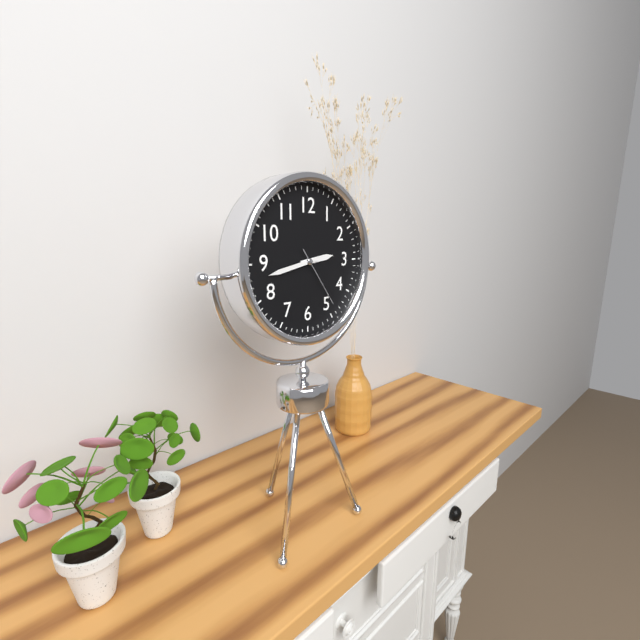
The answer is 2h43m24s
